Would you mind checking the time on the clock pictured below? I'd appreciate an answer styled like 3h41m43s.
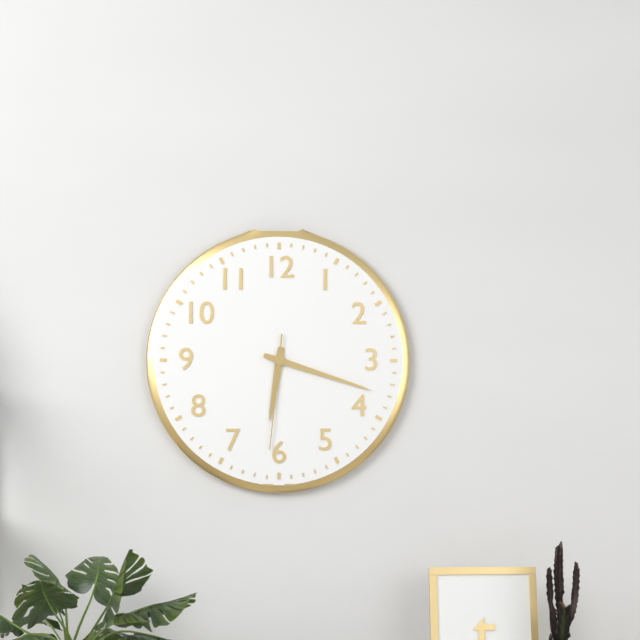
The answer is 6h18m31s
